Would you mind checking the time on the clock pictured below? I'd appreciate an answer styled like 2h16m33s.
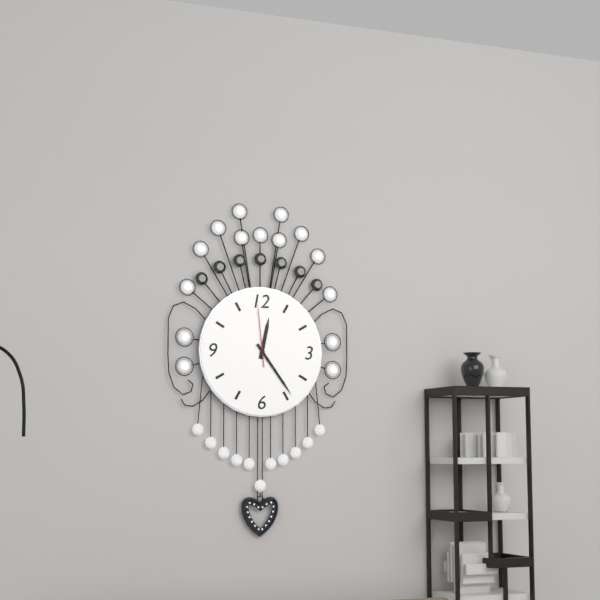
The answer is 12h24m59s
